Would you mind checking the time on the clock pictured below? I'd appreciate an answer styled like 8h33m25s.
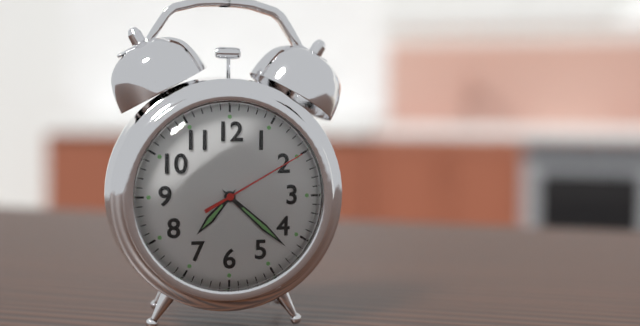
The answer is 7h22m10s
